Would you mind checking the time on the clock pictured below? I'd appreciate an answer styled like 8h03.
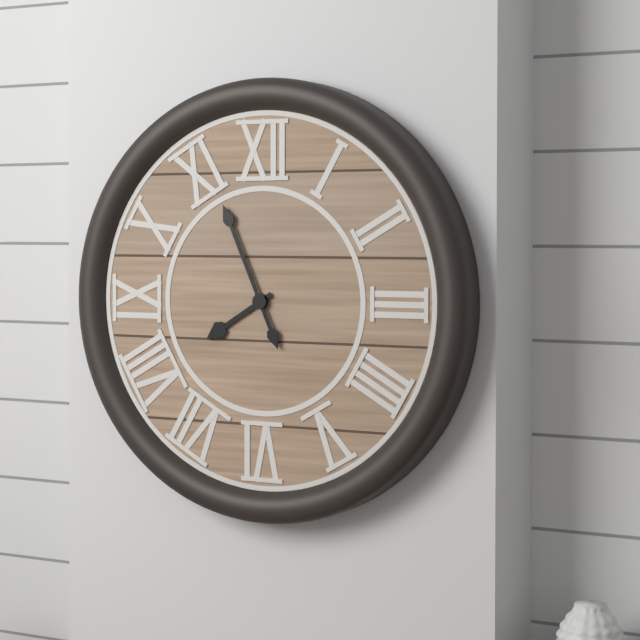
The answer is 7h56
